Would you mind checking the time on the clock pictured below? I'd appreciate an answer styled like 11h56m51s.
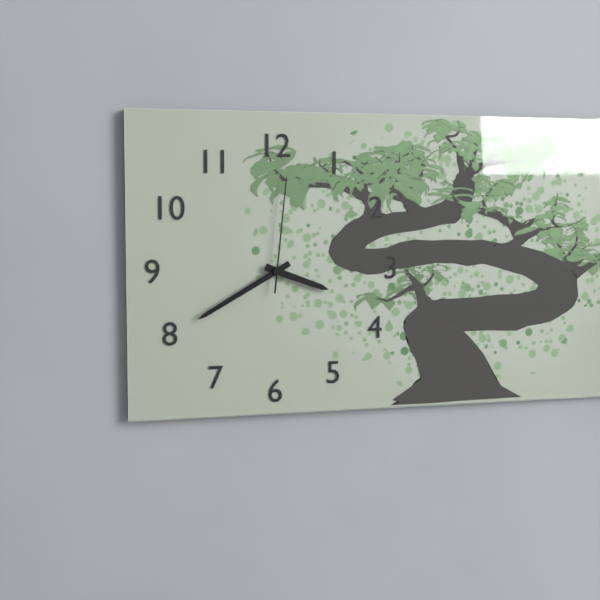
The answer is 3h40m01s
